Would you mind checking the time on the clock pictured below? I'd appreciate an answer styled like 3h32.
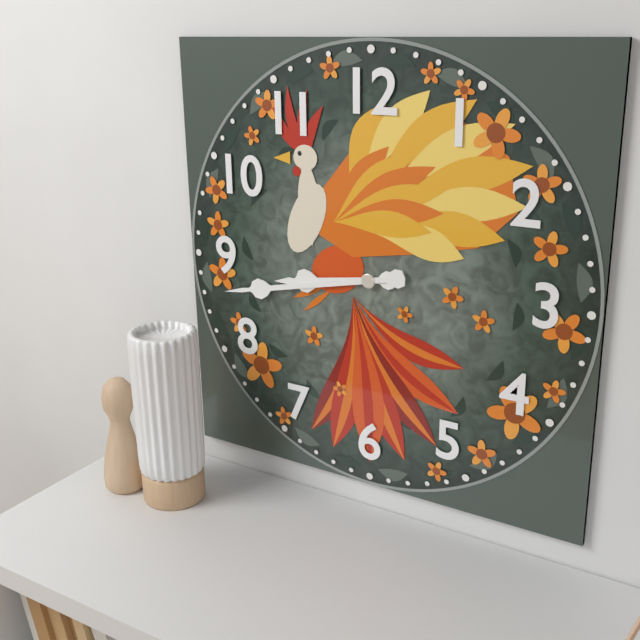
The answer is 8h43
